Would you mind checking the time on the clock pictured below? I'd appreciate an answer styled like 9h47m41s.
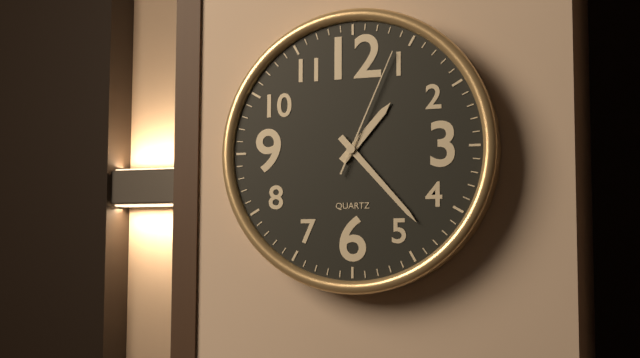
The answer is 1h23m04s
